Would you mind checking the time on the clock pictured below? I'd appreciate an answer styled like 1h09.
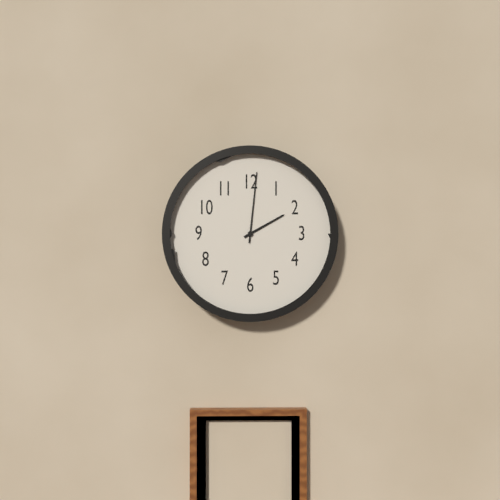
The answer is 2h01
